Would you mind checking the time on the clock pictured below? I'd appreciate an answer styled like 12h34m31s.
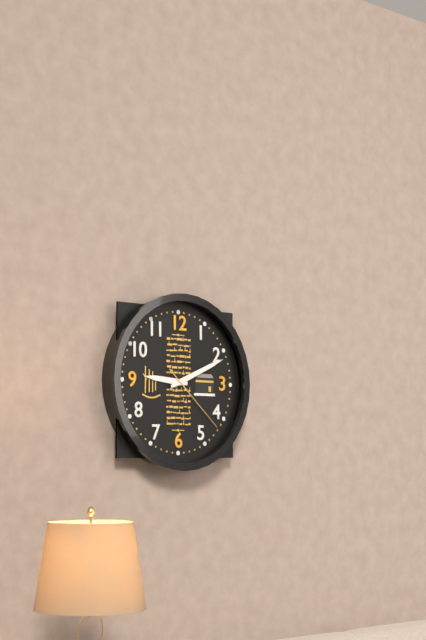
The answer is 9h11m22s
